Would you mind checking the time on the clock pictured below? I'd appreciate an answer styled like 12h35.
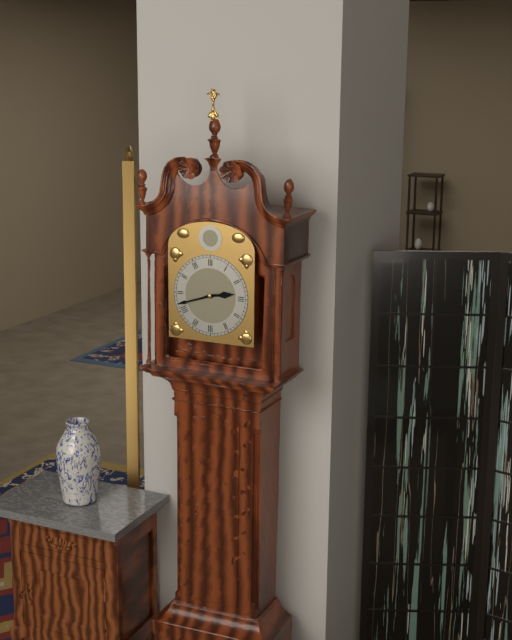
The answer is 2h42
